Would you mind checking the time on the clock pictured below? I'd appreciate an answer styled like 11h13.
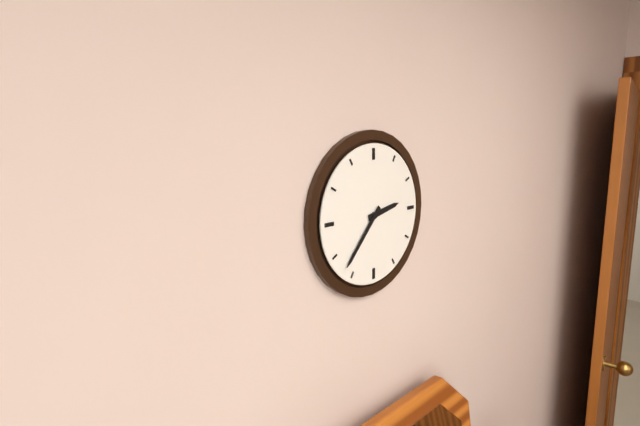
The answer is 2h37
